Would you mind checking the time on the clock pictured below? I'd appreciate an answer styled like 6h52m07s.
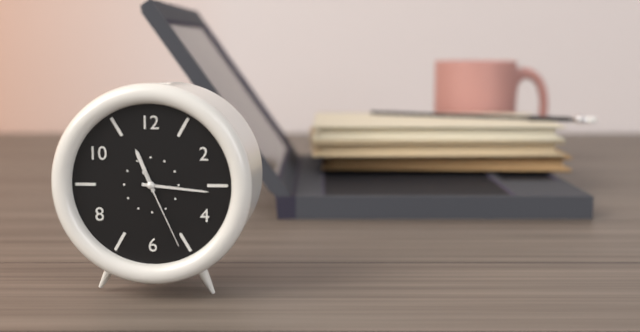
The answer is 11h16m26s
